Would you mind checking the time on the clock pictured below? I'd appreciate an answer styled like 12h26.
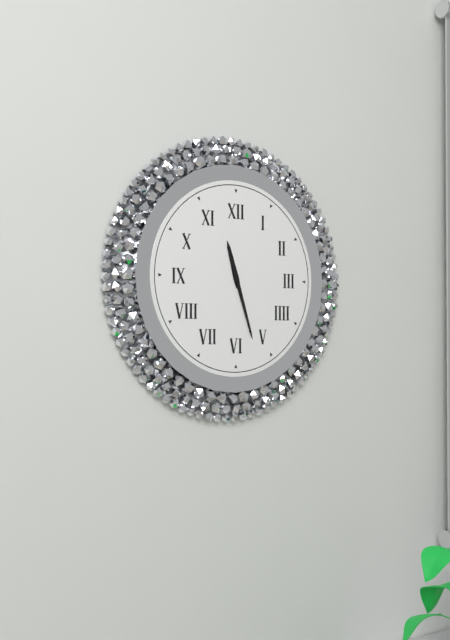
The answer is 11h27
